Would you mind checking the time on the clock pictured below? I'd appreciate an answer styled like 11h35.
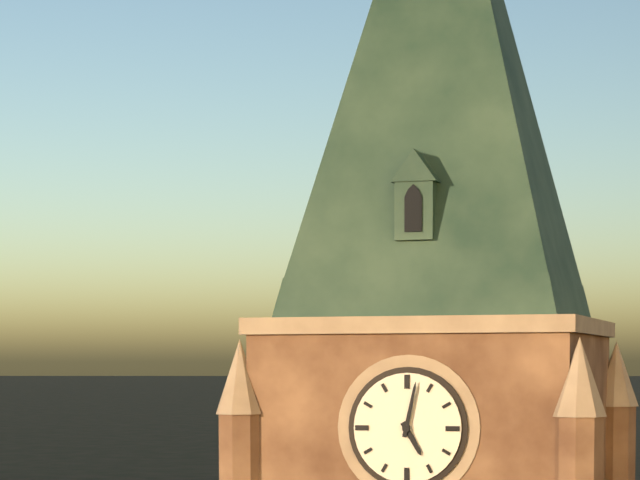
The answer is 5h02
